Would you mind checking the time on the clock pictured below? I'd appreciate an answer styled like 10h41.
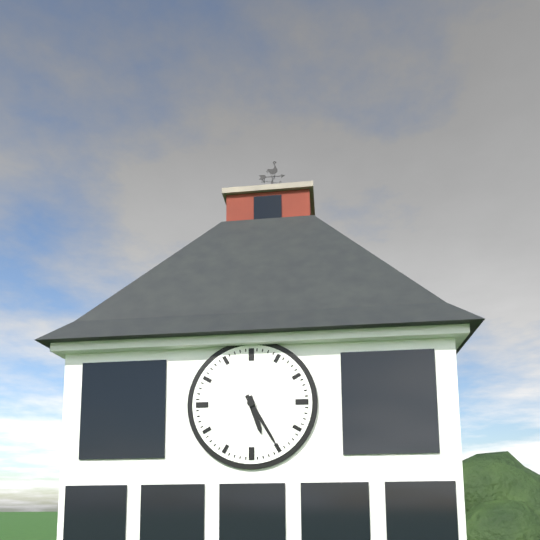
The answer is 5h25
